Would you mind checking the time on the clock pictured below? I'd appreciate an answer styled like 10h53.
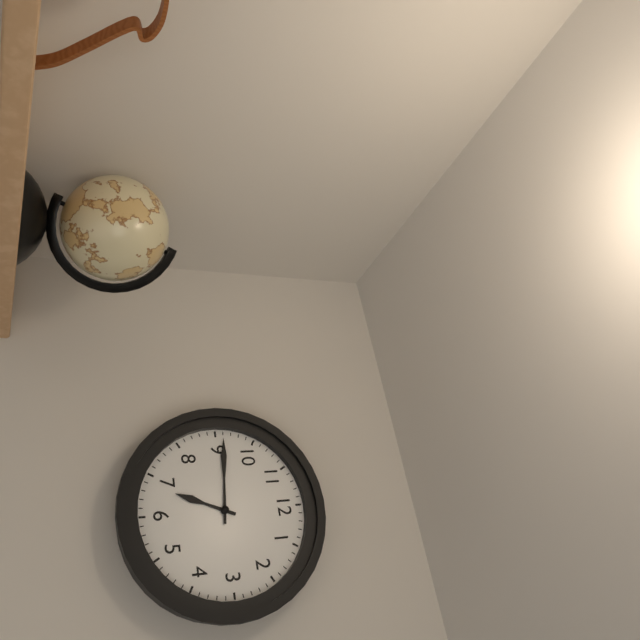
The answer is 6h46
